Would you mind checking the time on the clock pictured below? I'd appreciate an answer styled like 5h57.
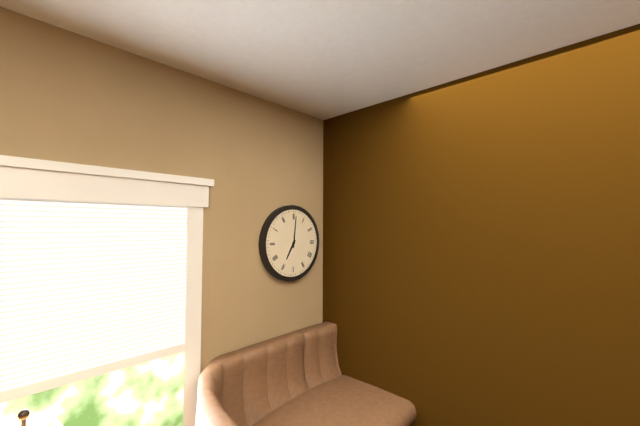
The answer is 7h01
